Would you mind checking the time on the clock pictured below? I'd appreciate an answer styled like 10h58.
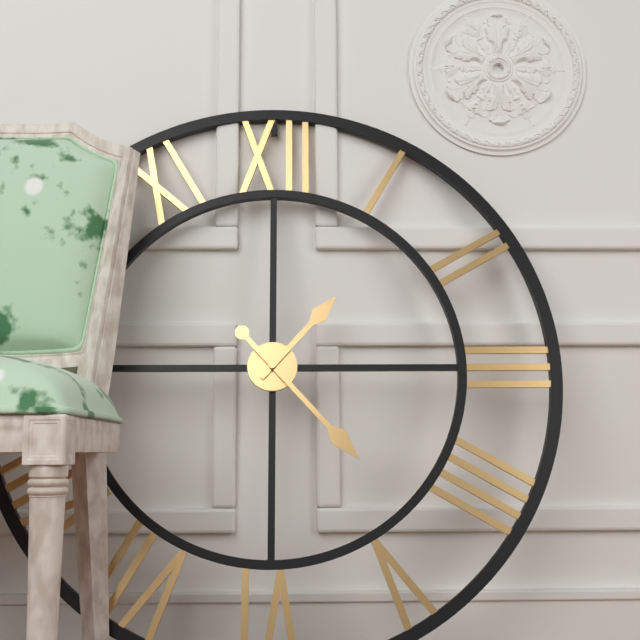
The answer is 1h23
